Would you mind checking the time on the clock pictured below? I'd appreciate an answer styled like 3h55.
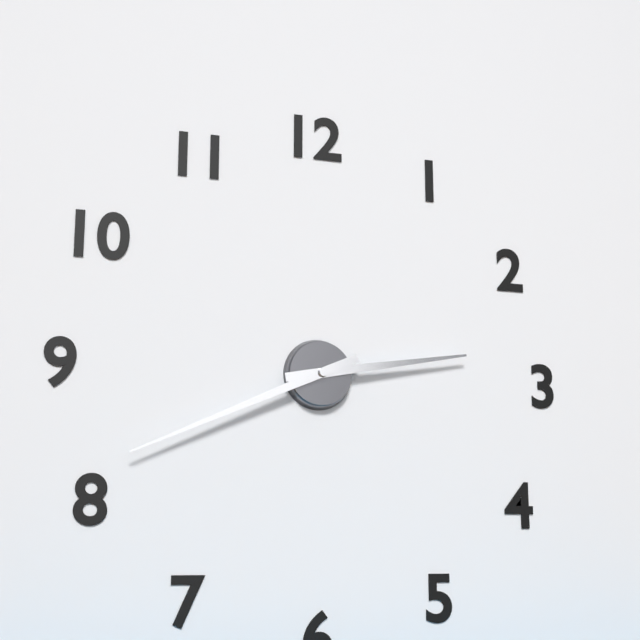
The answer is 2h41
